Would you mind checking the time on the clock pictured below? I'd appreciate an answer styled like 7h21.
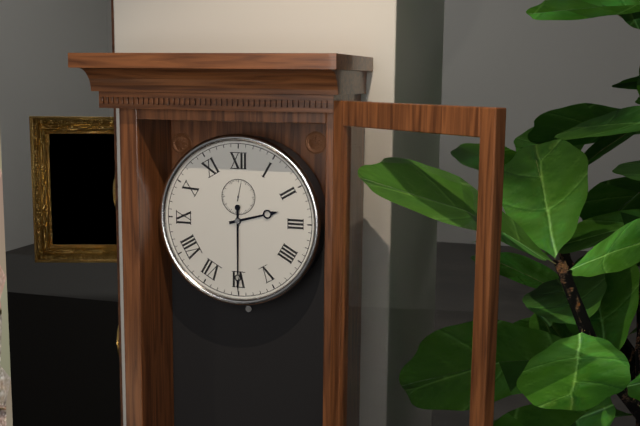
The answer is 2h30
